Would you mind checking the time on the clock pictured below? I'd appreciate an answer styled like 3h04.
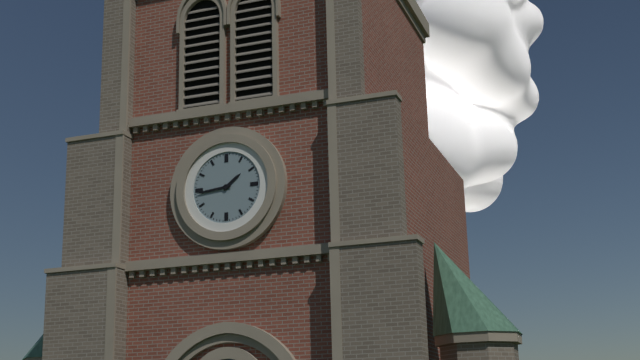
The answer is 1h44
